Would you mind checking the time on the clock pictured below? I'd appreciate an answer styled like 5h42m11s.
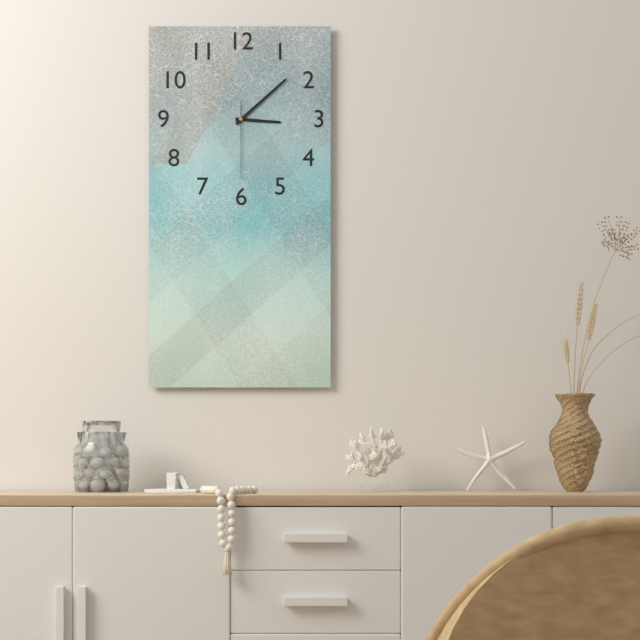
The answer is 3h08m30s
